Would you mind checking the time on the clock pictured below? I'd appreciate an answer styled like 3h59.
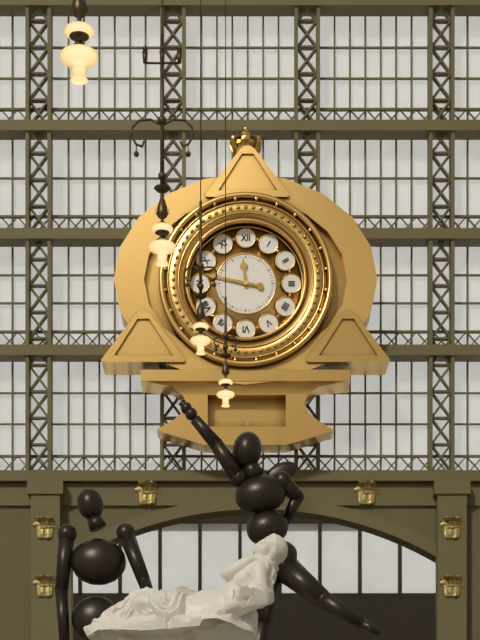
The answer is 11h47
